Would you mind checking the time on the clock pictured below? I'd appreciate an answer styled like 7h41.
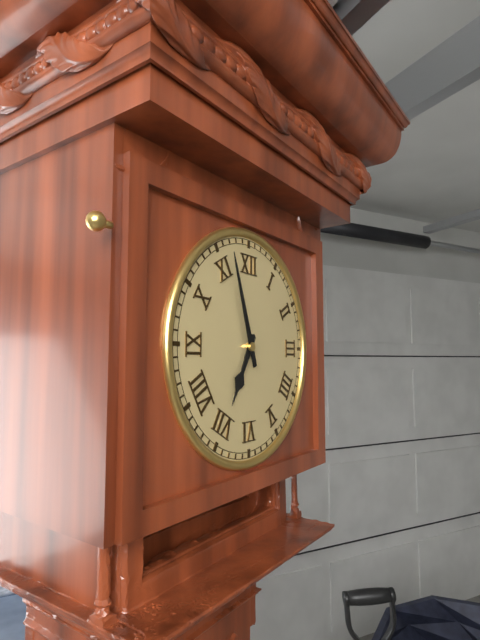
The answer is 6h57
